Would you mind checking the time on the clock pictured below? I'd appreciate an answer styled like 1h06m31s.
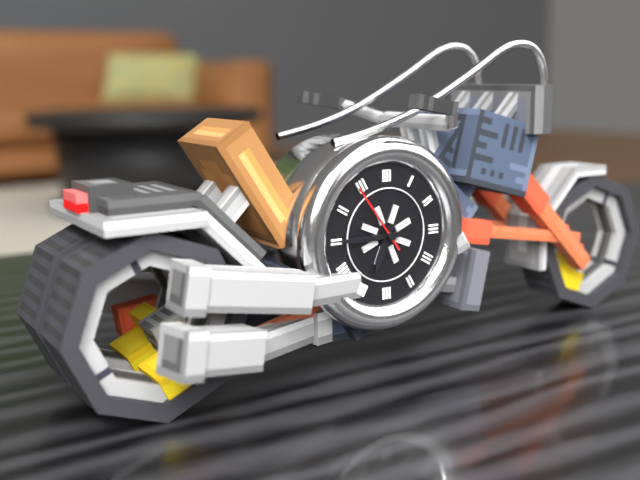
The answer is 6h45m54s
